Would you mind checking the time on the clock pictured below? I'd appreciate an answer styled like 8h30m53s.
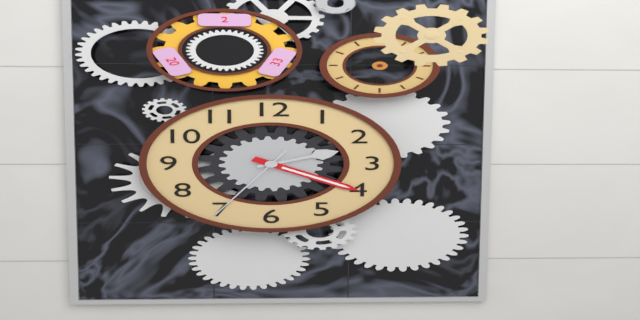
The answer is 2h20m35s
